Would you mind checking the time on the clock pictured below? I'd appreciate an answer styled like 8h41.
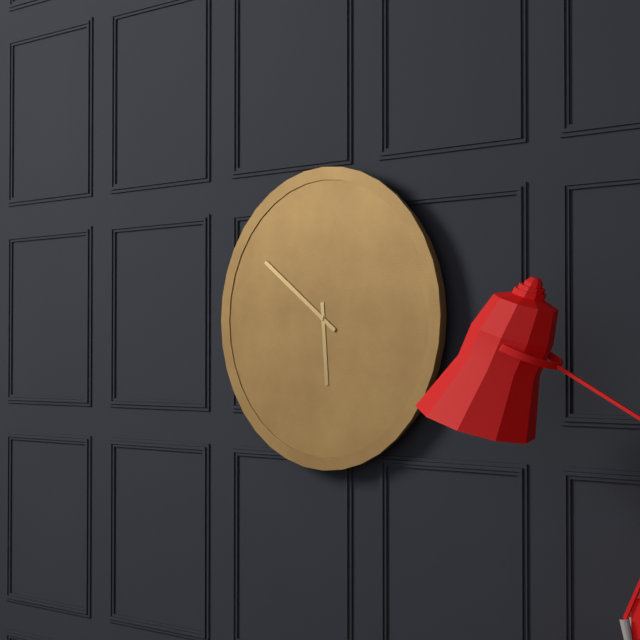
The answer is 5h51
